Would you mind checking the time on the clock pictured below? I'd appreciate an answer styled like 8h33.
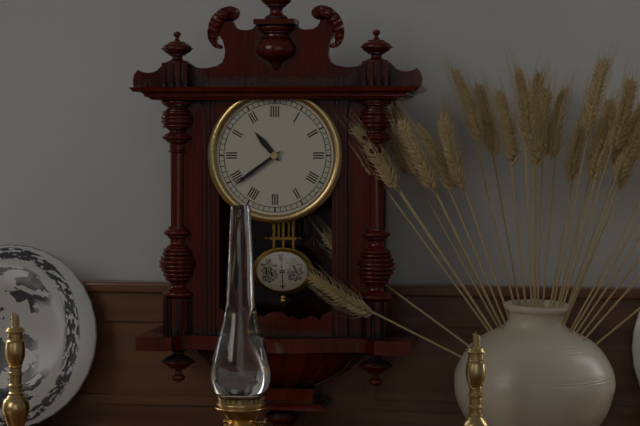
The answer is 10h39
